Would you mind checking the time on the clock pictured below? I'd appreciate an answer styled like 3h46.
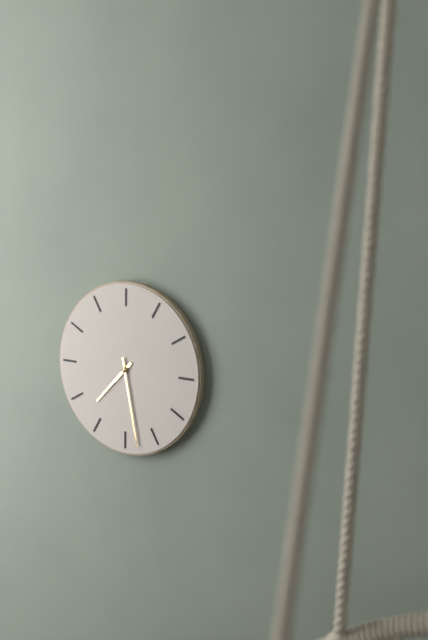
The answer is 7h28
